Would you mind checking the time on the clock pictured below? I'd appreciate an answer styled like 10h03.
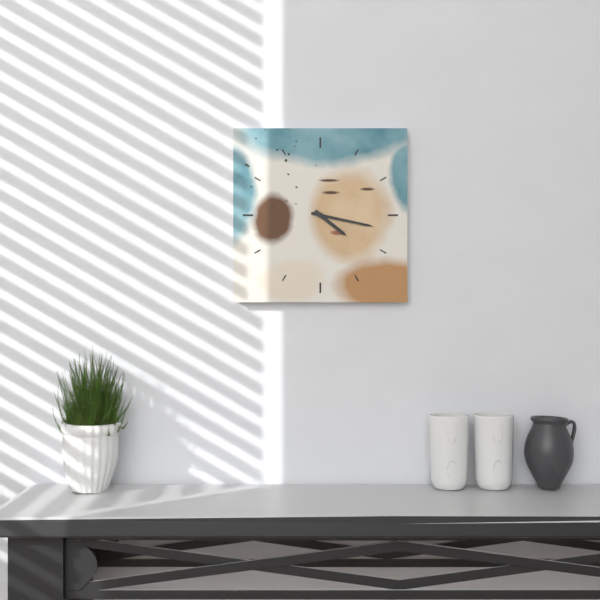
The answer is 4h17
